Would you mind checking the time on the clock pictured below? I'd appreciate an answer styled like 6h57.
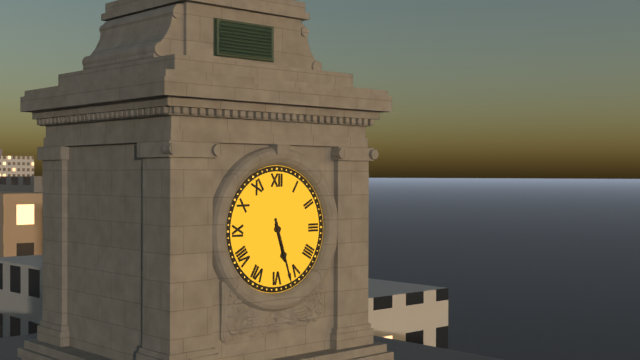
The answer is 5h27
